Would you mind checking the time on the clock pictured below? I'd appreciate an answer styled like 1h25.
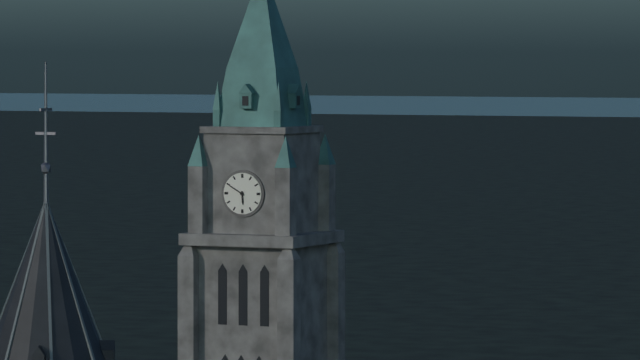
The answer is 5h50
